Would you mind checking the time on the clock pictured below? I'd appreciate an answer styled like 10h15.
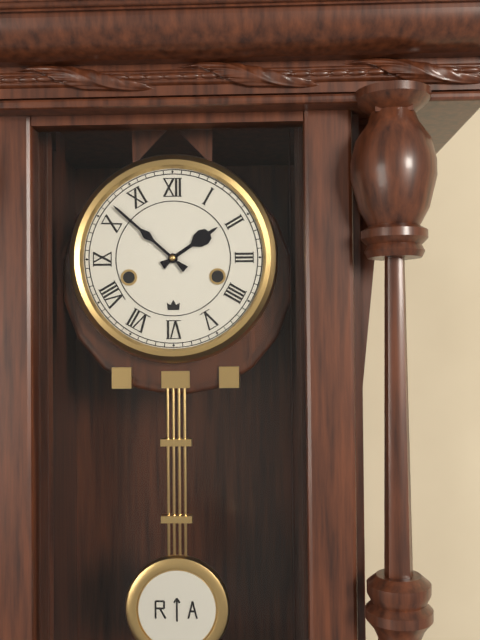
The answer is 1h52
